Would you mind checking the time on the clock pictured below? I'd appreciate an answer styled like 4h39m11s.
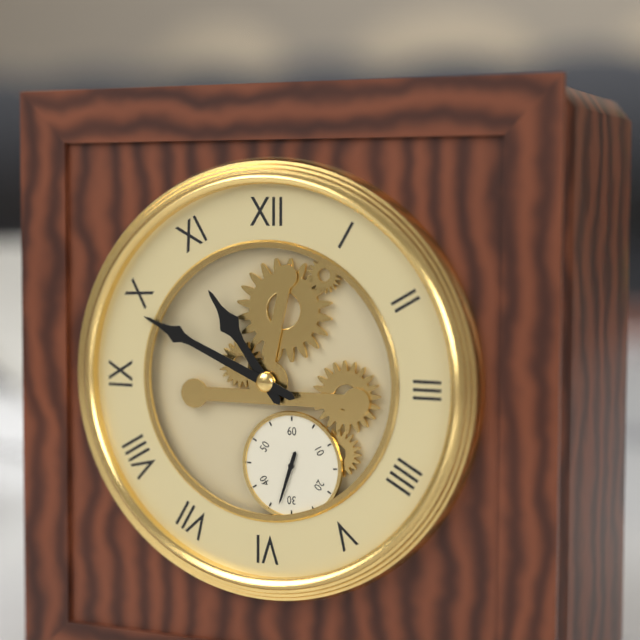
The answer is 10h49m33s
